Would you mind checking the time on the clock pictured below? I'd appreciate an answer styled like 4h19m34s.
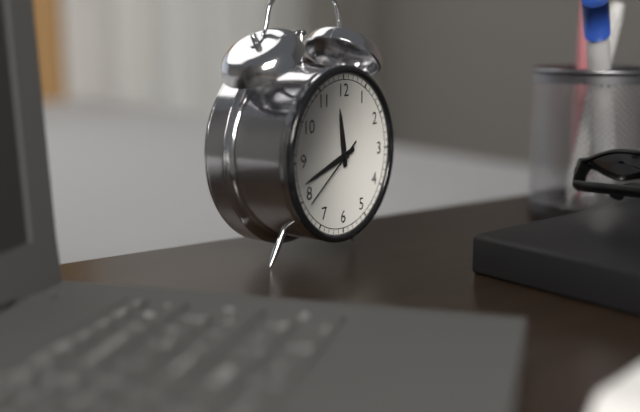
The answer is 11h42m39s
